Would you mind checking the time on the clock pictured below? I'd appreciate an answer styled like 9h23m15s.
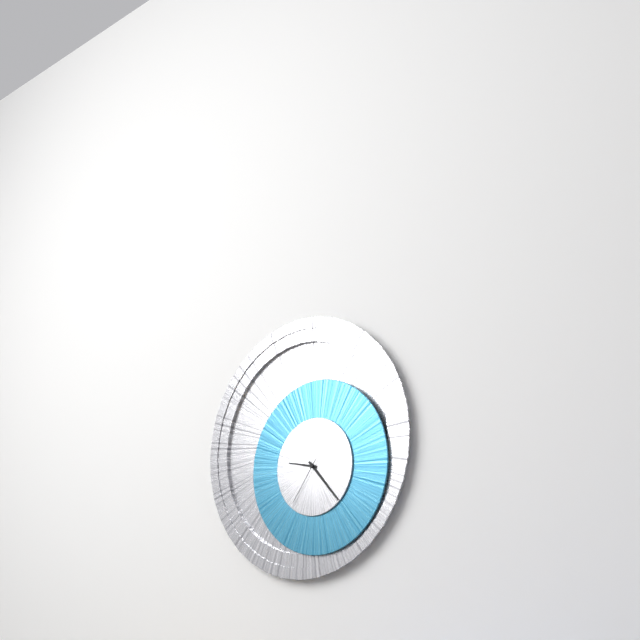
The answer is 9h23m36s
